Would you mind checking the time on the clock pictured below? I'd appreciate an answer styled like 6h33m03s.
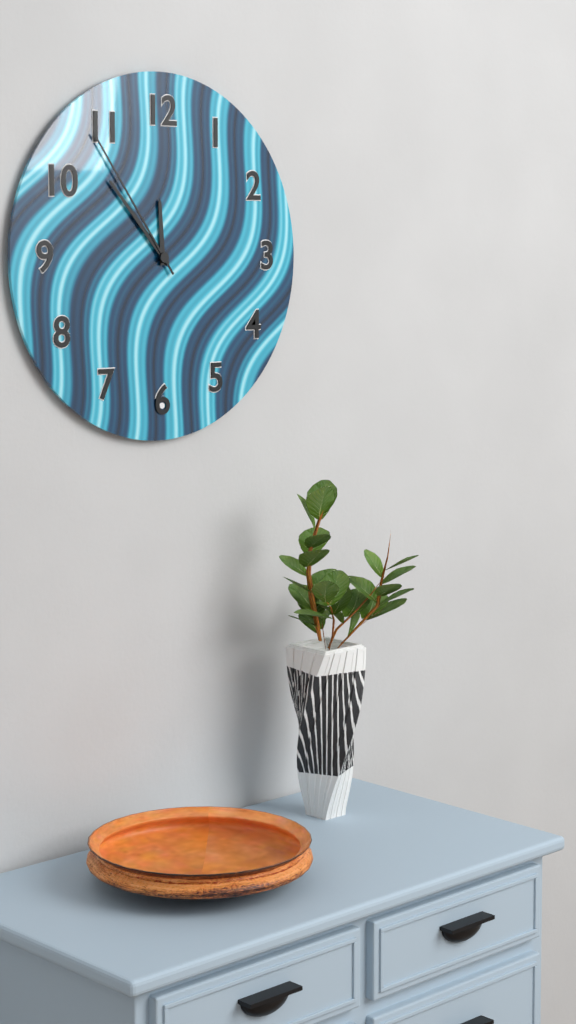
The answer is 11h53m54s
